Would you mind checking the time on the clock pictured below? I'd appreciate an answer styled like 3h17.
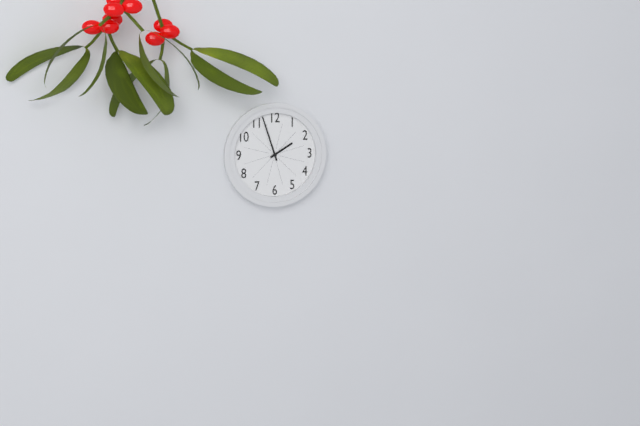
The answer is 1h57
